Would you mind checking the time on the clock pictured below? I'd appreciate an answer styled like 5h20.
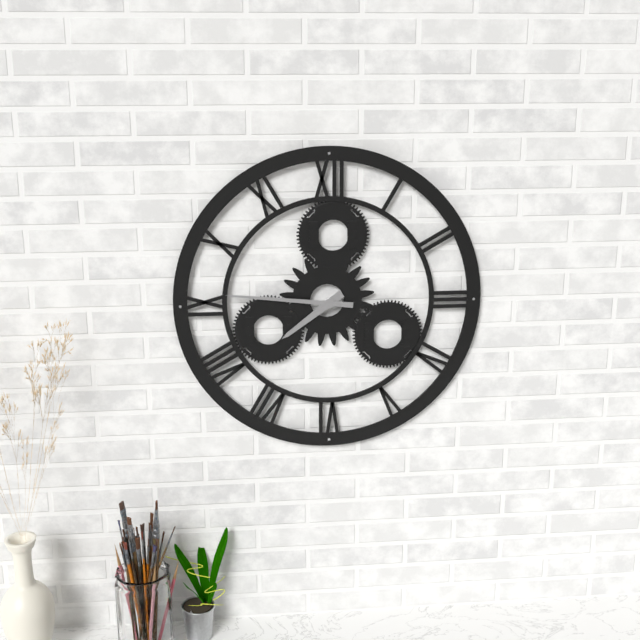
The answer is 7h46
